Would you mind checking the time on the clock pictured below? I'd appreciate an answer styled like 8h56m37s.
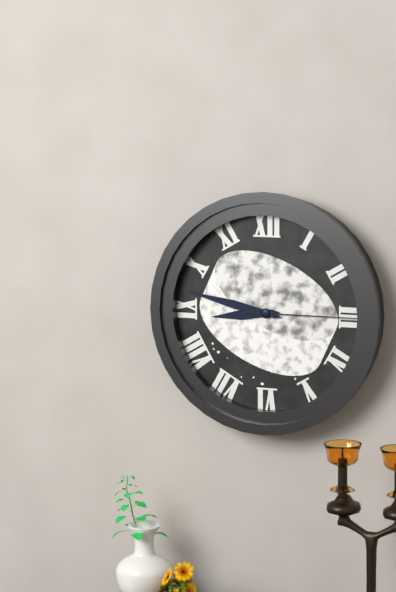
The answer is 8h47m15s
